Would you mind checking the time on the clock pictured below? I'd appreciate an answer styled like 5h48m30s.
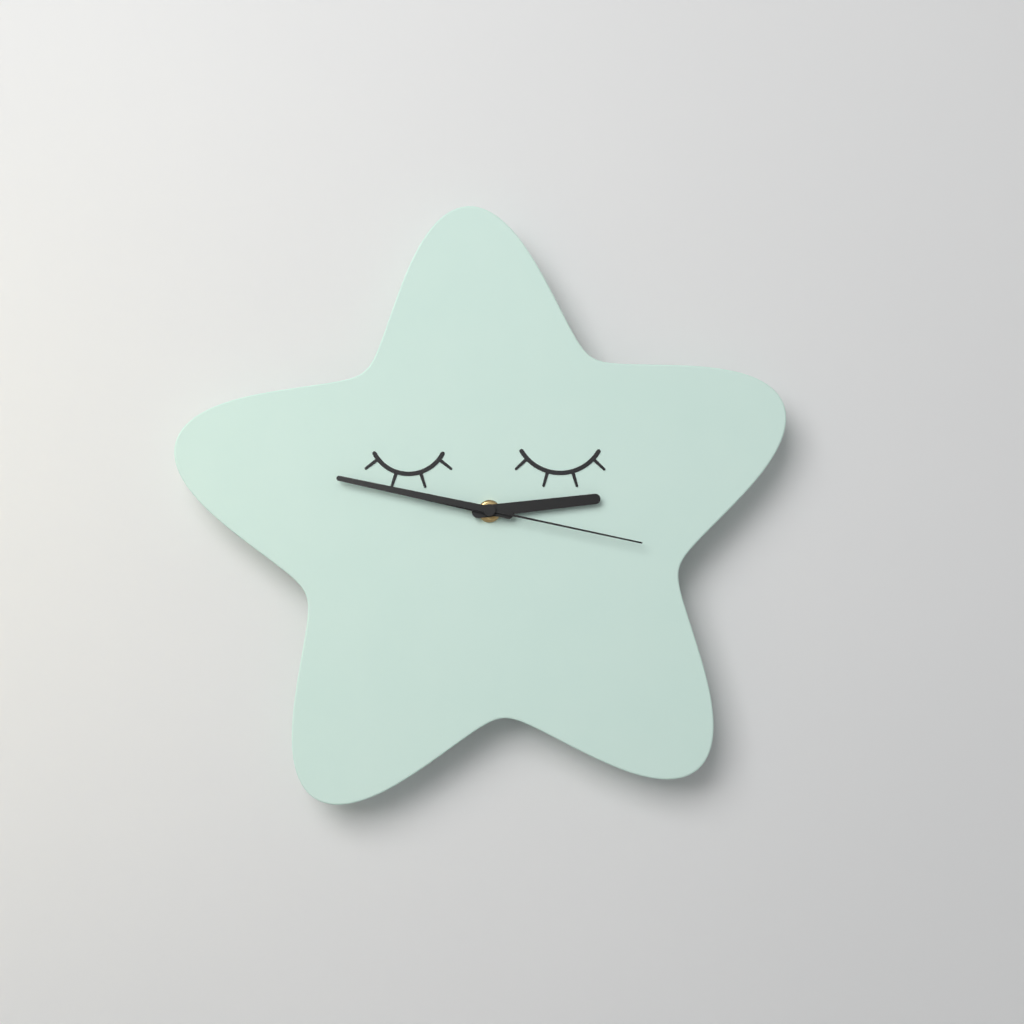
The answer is 2h47m17s
